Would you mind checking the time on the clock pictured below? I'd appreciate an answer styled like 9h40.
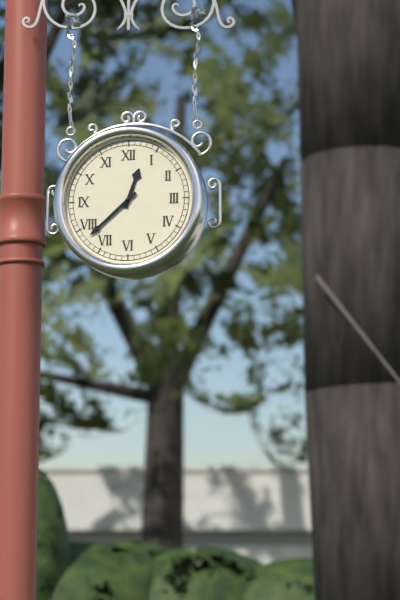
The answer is 12h38
